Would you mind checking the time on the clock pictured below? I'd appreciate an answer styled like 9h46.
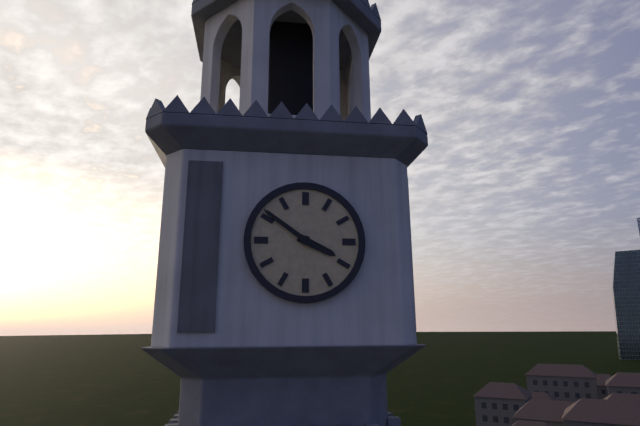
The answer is 3h51
